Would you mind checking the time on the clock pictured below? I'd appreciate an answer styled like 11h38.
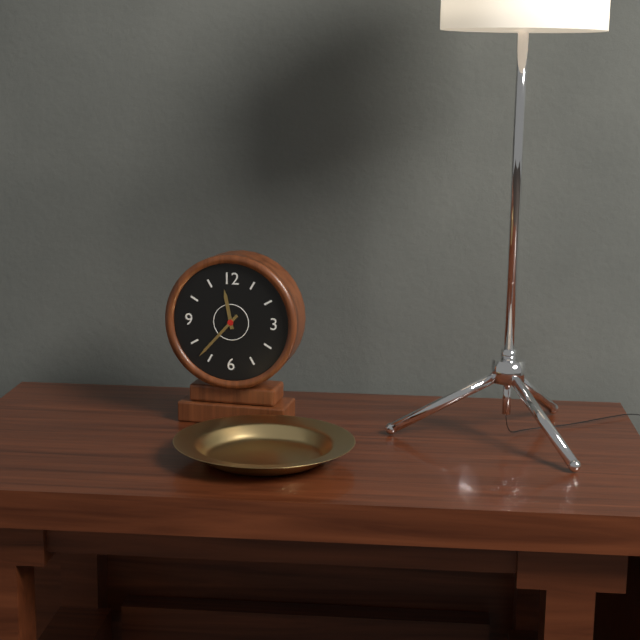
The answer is 11h37
